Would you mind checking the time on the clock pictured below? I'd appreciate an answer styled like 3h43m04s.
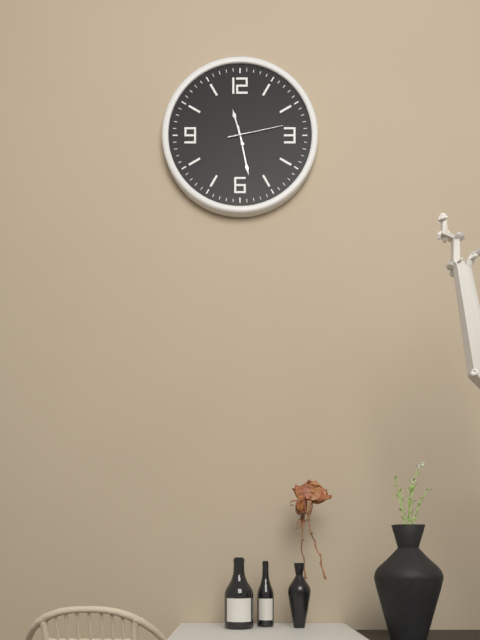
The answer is 11h28m13s
